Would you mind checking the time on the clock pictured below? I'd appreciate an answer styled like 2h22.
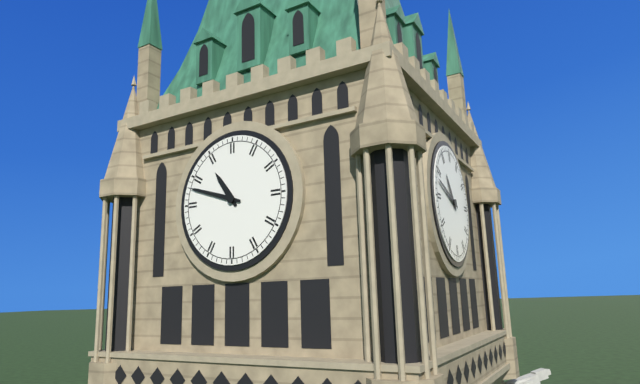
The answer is 10h48
